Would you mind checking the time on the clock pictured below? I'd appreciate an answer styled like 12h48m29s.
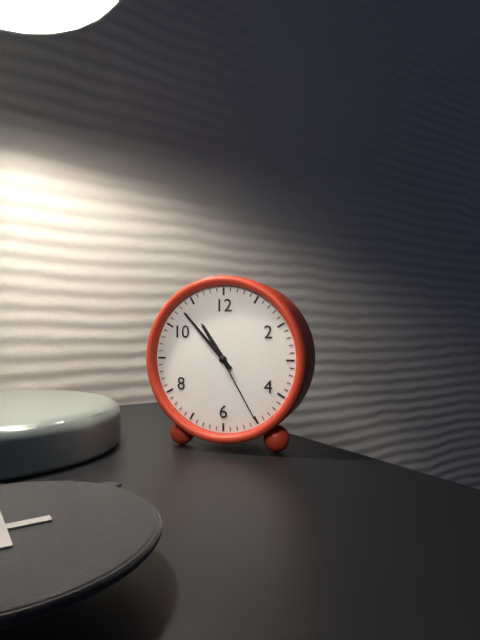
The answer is 10h53m25s
